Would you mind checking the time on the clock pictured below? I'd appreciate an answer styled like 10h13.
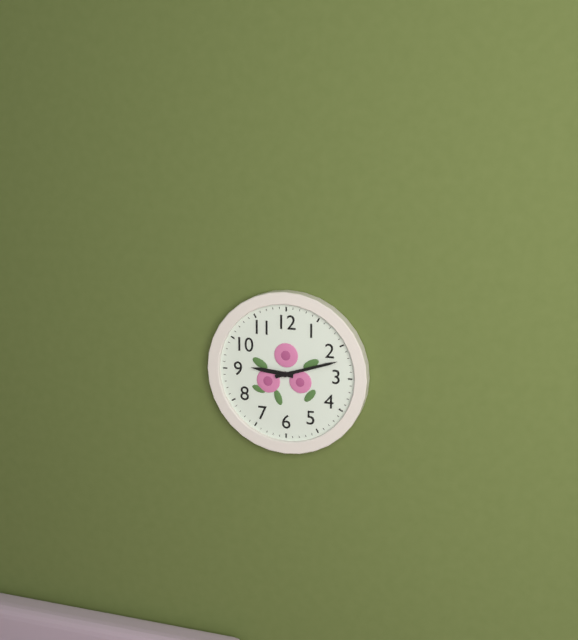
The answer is 9h12
